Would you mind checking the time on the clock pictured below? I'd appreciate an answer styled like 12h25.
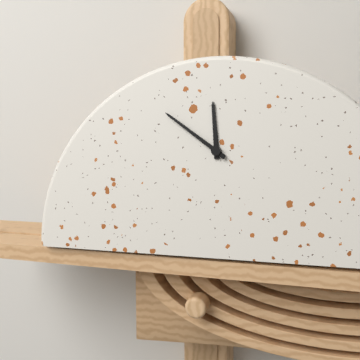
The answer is 11h51
